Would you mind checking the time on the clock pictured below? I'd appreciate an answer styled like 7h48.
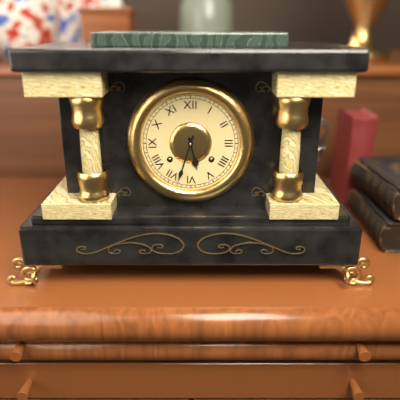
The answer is 5h33
